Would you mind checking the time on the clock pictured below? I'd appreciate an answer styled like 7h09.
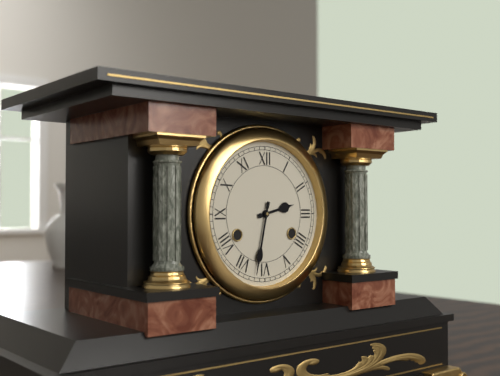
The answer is 2h32
